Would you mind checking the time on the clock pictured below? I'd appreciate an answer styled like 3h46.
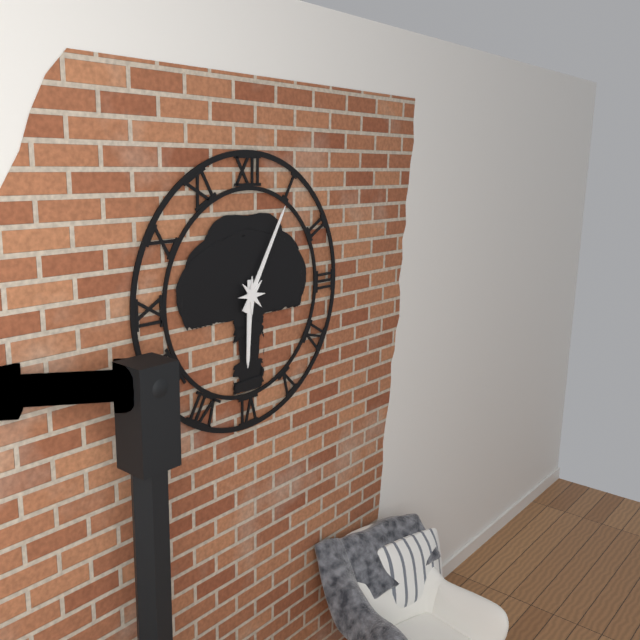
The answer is 6h05
